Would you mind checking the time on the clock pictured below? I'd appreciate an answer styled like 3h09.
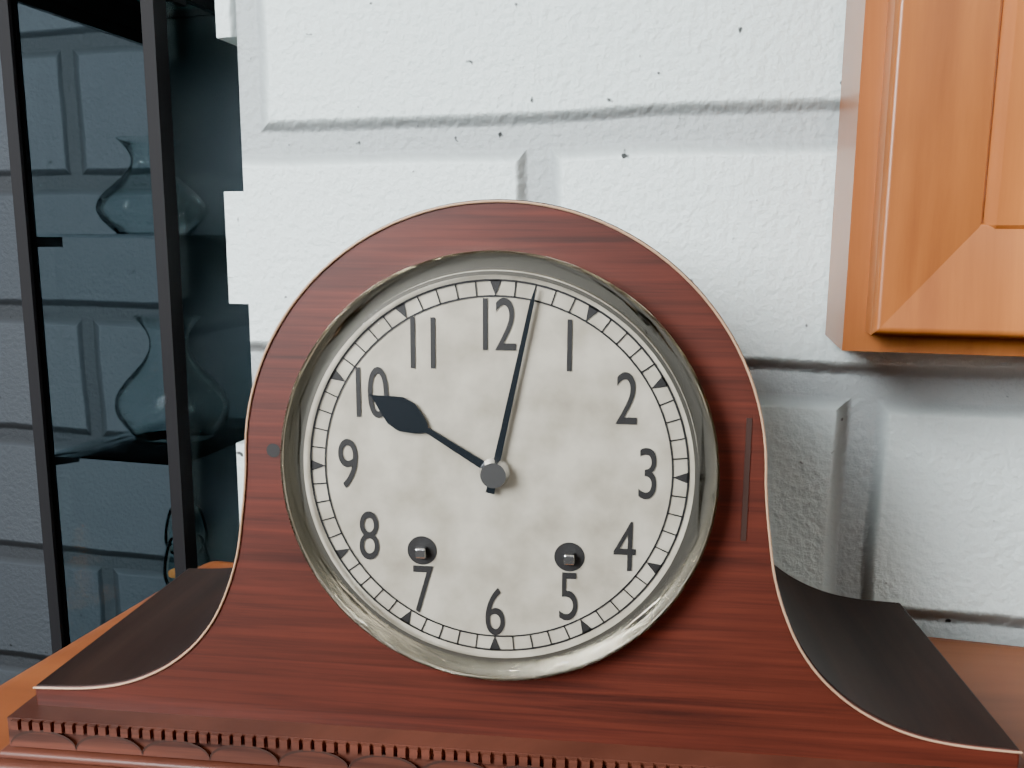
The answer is 10h02
